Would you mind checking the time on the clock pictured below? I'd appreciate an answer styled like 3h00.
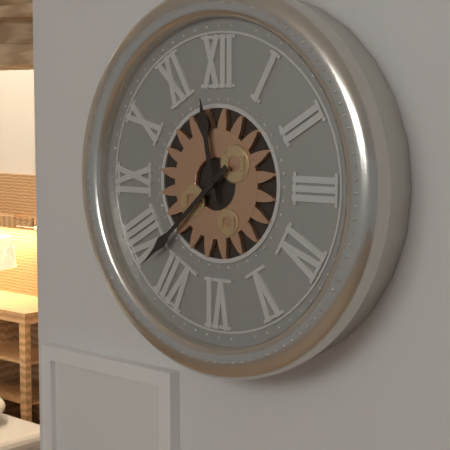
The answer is 11h38
